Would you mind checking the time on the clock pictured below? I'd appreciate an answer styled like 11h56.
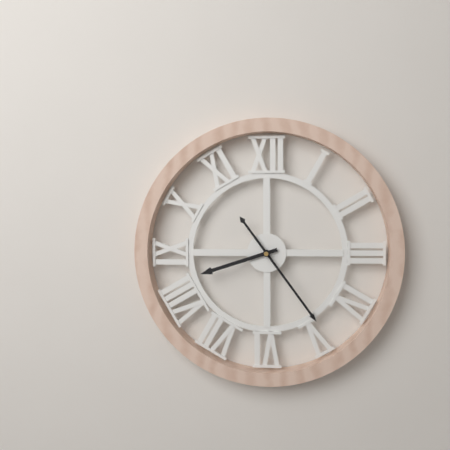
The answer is 8h24
